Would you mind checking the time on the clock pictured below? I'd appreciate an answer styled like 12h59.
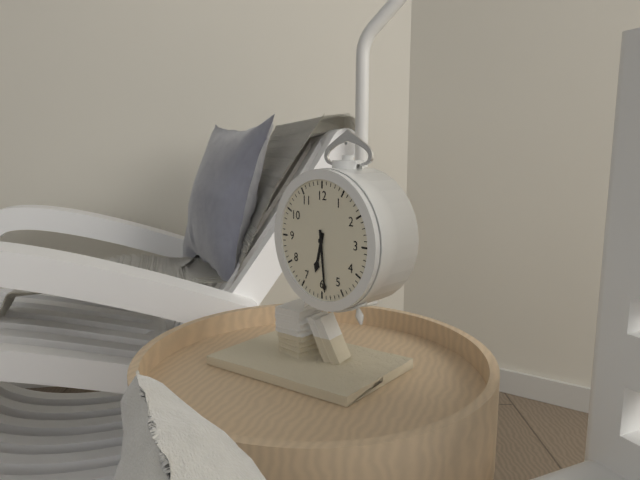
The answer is 6h29
